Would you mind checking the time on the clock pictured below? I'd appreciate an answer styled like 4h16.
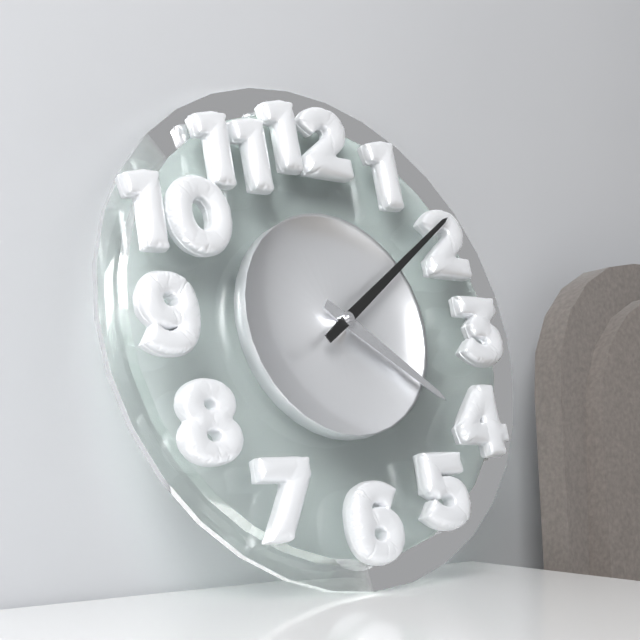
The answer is 4h09
